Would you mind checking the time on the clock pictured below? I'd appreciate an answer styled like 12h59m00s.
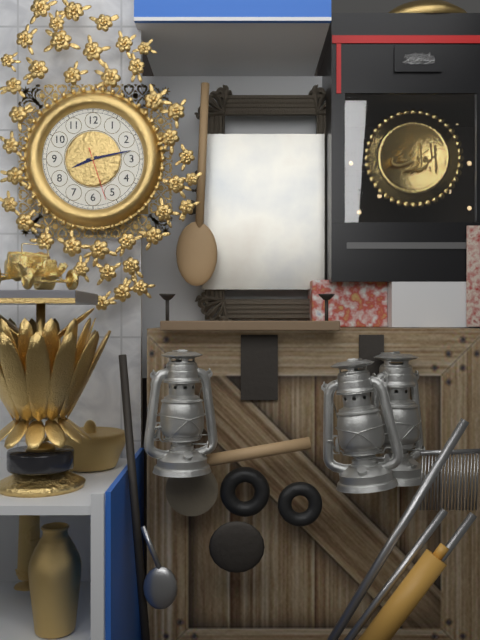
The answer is 8h13m27s
